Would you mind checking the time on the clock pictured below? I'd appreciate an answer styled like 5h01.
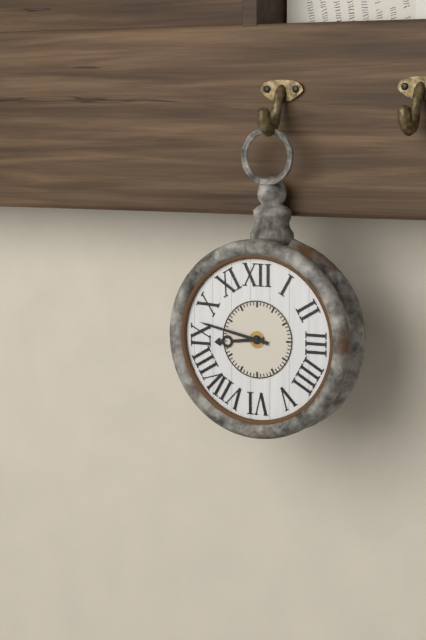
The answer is 8h47
